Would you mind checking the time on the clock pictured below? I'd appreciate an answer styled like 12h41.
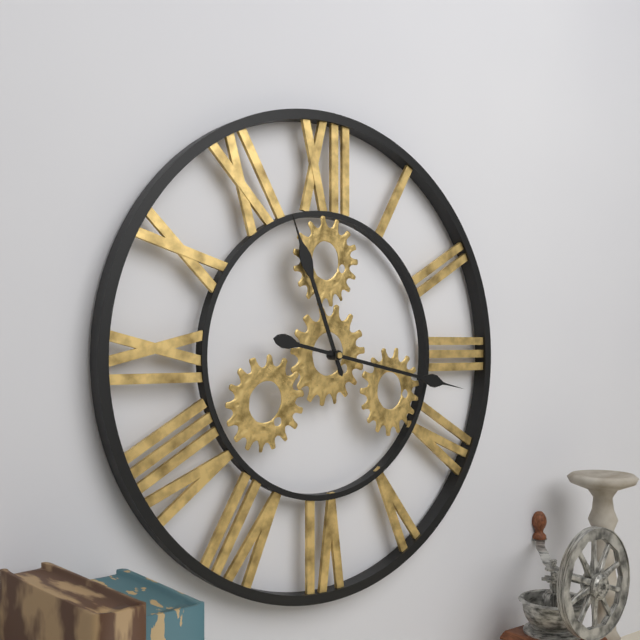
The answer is 11h17
